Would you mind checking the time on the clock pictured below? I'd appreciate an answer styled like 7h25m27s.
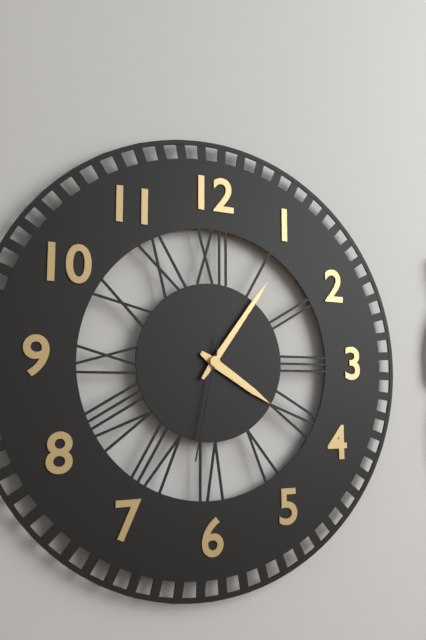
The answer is 4h06m32s
